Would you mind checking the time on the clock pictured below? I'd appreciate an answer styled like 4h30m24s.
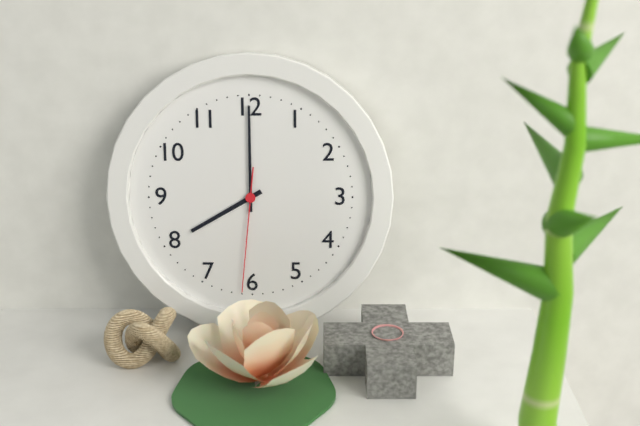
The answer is 8h00m31s
